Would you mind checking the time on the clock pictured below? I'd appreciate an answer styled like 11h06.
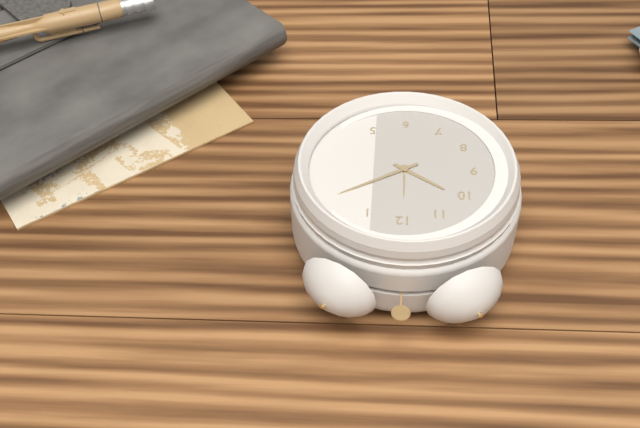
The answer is 10h10
